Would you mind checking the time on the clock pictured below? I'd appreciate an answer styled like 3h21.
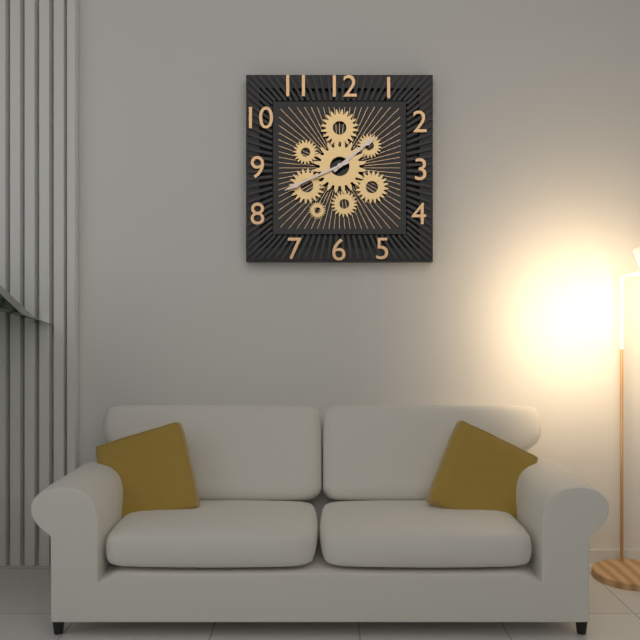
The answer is 1h41
